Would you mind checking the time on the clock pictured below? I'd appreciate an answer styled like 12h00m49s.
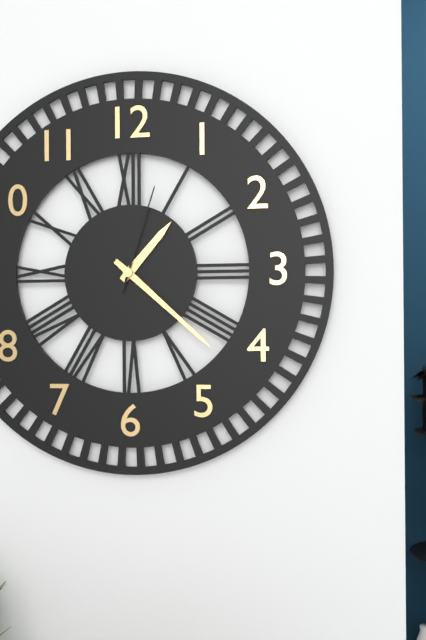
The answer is 1h22m03s
